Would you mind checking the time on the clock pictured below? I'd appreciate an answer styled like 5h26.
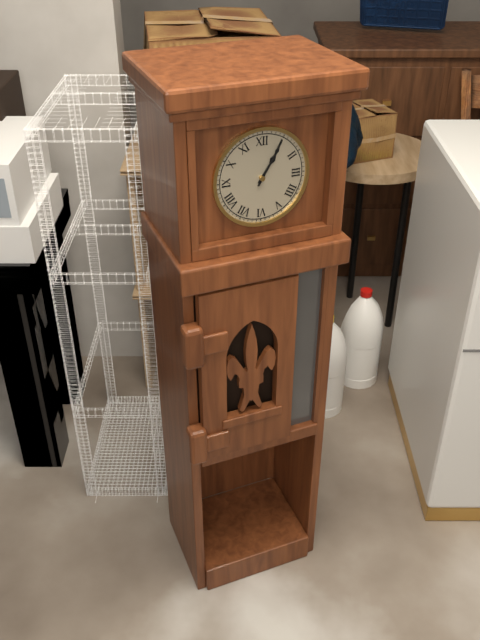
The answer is 1h05
